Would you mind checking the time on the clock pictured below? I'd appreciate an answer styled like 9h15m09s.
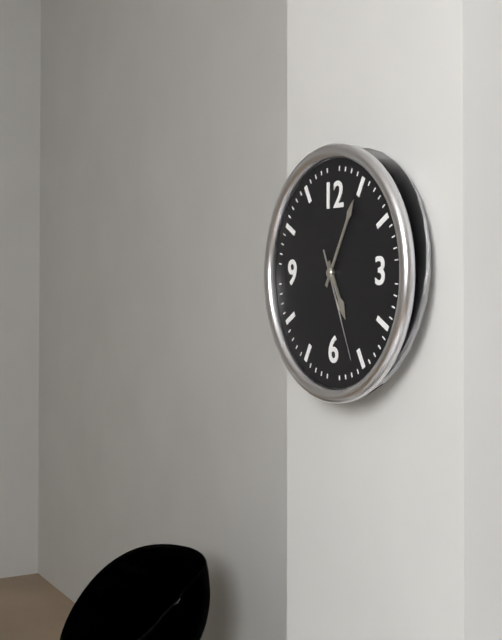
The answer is 5h05m26s
